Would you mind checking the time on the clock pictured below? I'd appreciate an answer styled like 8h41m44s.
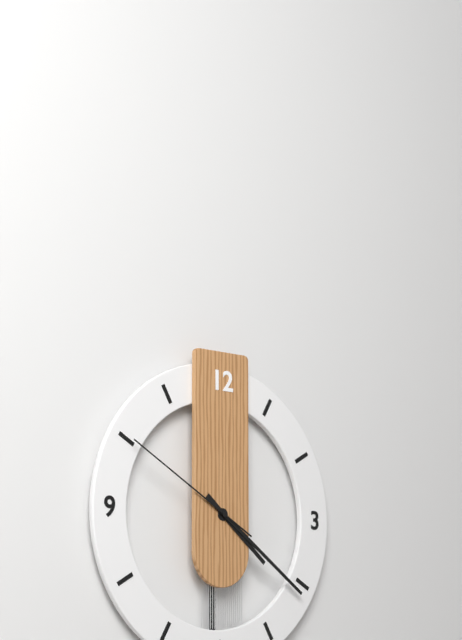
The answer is 4h21m50s
